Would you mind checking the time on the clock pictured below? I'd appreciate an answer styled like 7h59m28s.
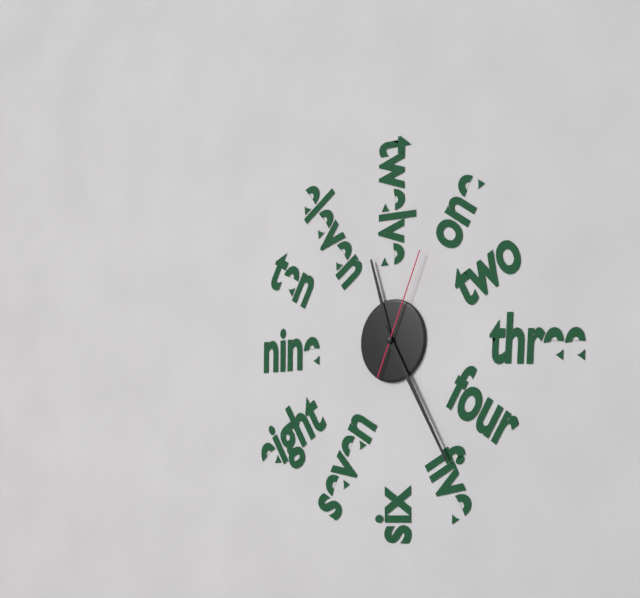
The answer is 11h25m04s
